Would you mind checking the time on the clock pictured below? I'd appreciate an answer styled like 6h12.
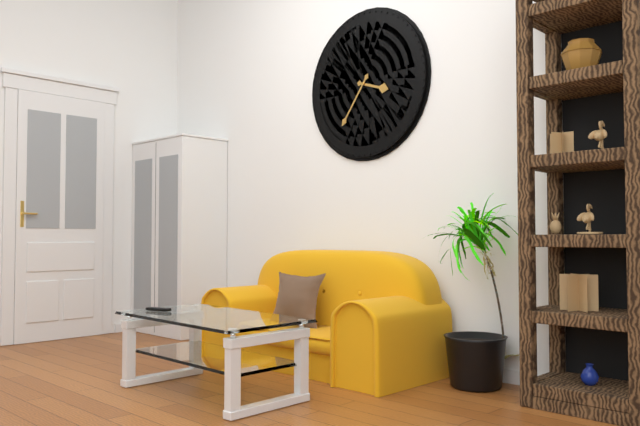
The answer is 3h36
